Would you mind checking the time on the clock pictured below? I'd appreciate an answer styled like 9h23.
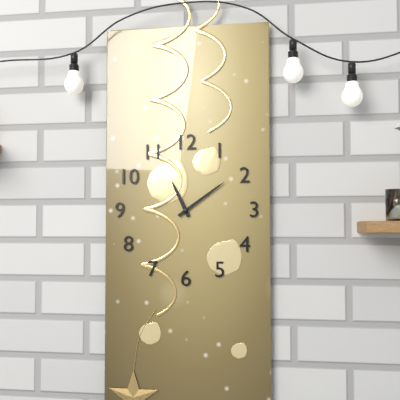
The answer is 11h09
